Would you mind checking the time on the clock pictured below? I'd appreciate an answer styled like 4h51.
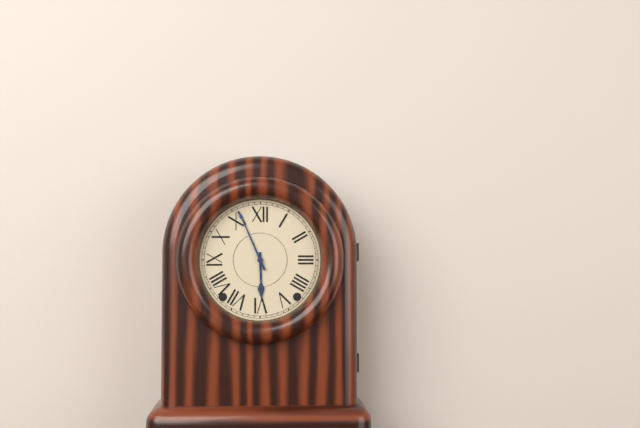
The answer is 5h56
